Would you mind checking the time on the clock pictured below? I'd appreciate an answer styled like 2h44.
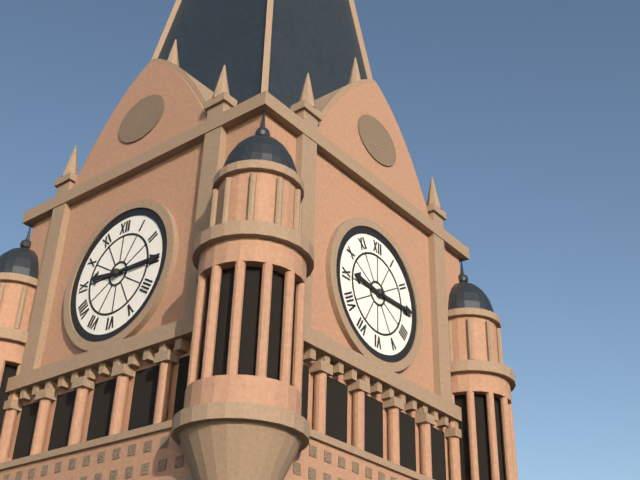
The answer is 9h15
